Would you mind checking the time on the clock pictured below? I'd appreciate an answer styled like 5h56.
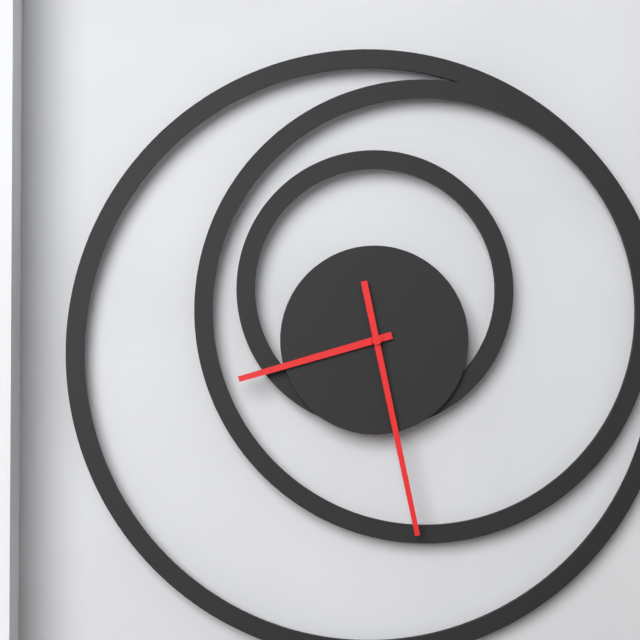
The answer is 8h28
